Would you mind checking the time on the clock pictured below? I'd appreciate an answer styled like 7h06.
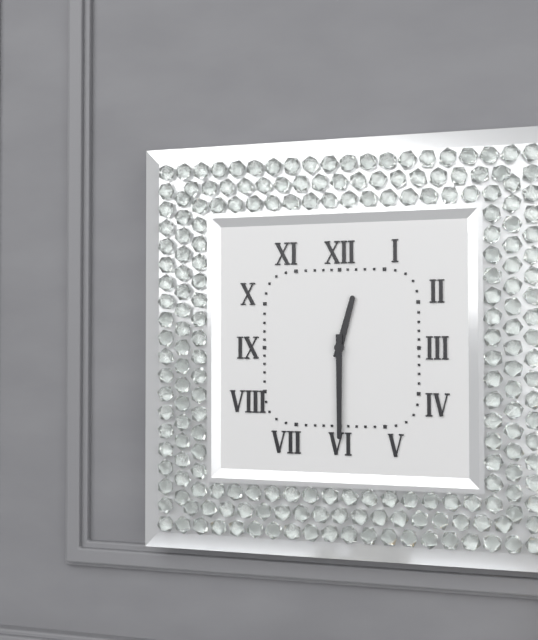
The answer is 12h30
